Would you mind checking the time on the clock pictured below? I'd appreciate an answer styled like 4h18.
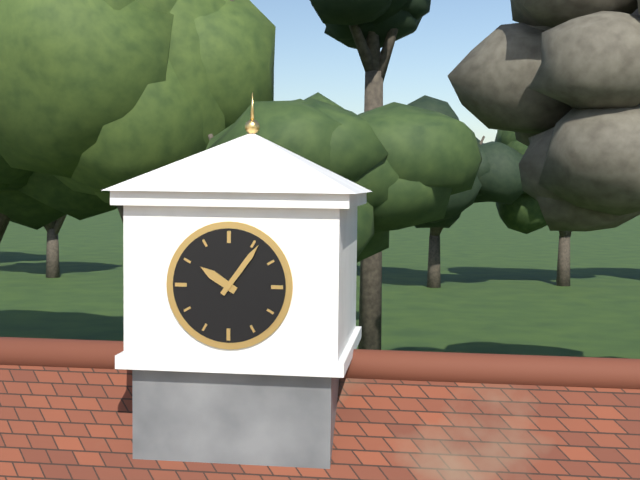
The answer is 10h06
